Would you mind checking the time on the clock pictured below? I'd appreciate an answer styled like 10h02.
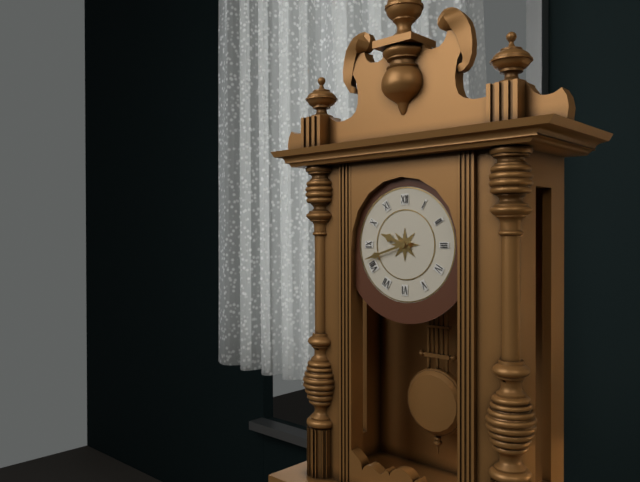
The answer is 9h42
